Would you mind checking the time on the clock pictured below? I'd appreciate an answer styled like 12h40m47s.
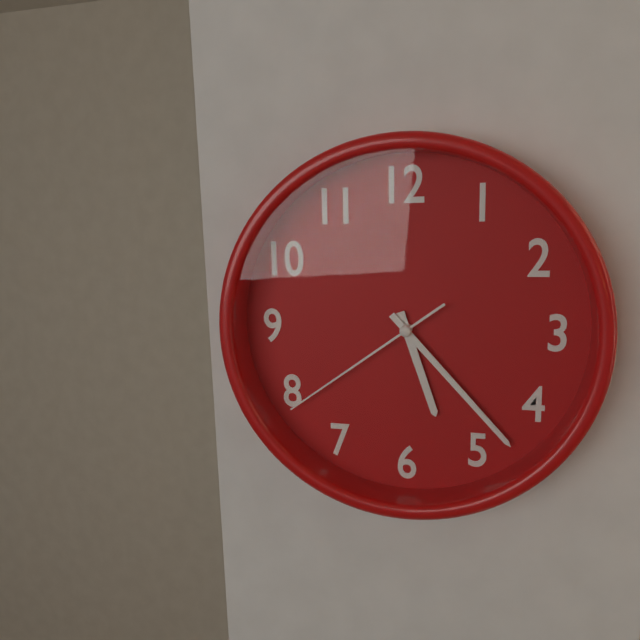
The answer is 5h23m39s
